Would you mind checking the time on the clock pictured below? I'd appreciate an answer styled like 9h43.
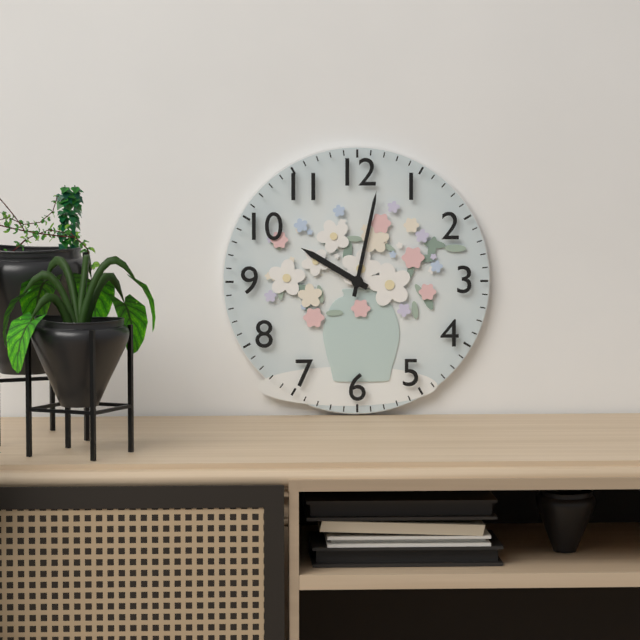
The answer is 10h02
